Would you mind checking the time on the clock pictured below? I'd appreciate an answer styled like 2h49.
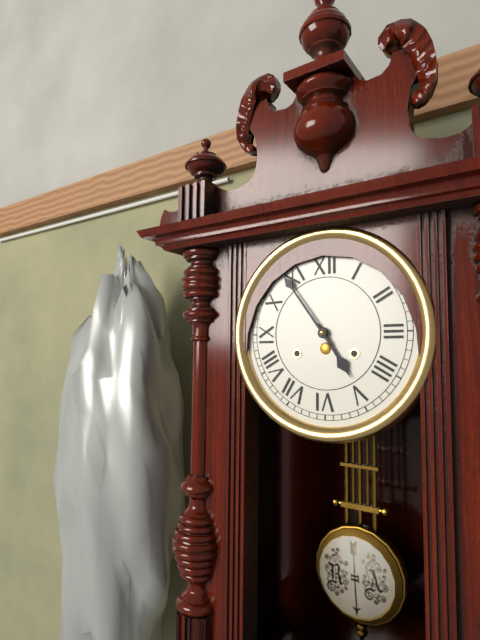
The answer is 4h54
